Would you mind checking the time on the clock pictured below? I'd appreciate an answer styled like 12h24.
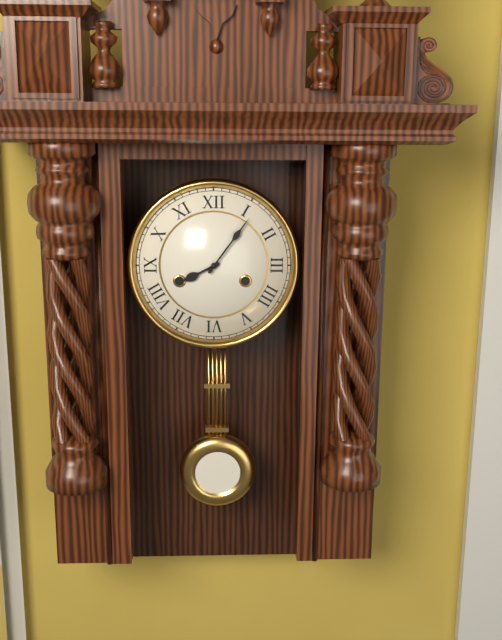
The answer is 8h06
